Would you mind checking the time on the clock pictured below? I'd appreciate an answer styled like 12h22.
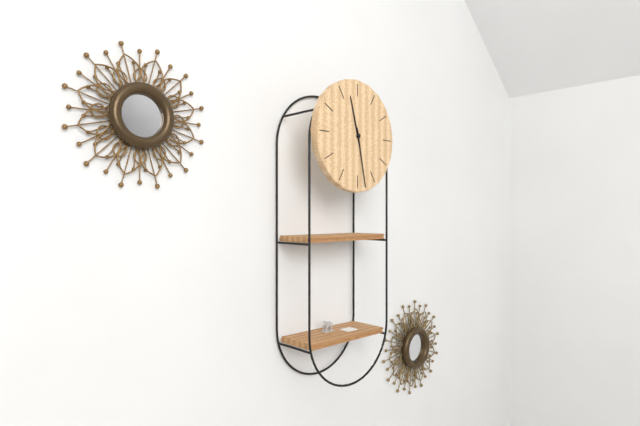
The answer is 11h28
